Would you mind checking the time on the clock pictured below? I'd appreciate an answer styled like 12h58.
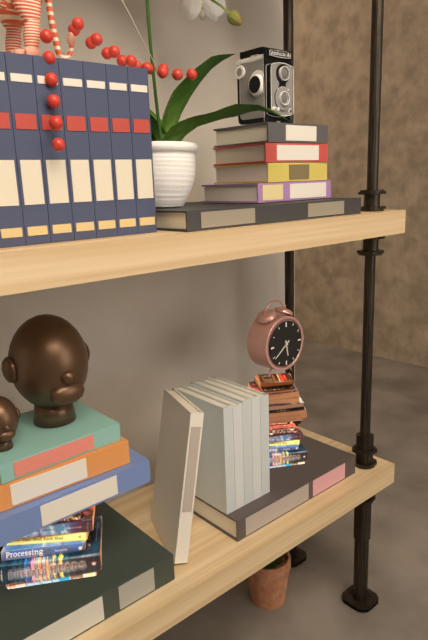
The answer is 5h39
